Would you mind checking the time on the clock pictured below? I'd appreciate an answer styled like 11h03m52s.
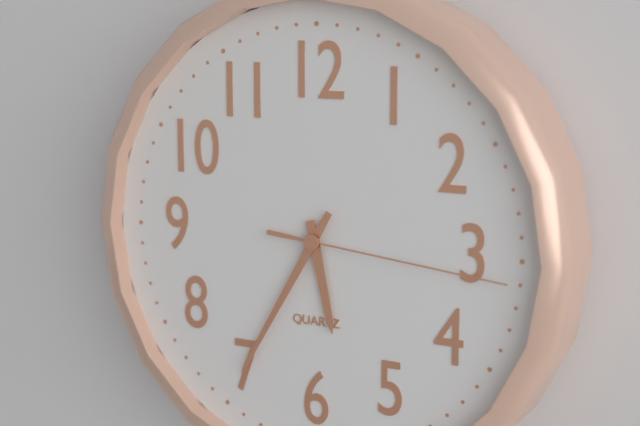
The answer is 5h35m16s
